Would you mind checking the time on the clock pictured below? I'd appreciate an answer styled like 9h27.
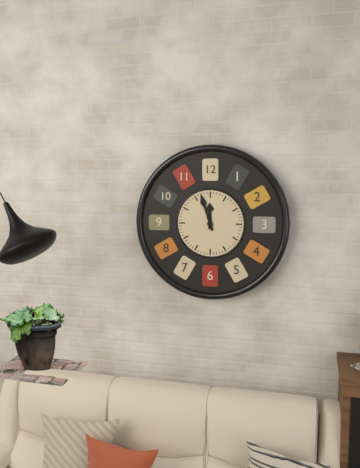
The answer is 11h57
